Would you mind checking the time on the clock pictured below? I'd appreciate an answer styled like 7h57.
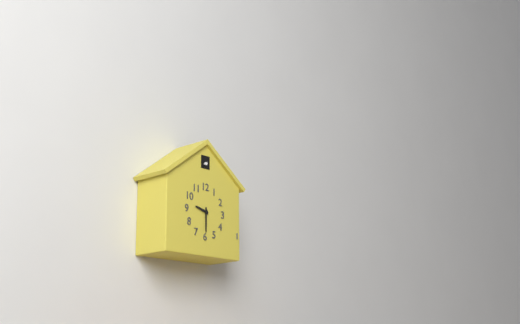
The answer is 9h30
